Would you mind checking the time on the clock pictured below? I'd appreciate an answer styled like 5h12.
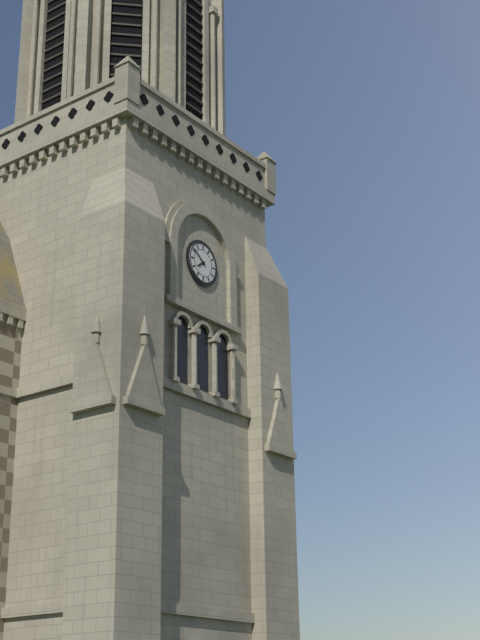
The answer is 7h51
